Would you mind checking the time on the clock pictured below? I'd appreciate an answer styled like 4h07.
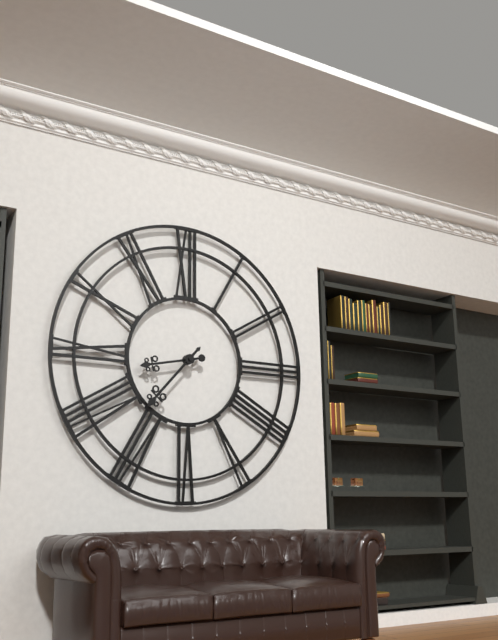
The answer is 8h37
